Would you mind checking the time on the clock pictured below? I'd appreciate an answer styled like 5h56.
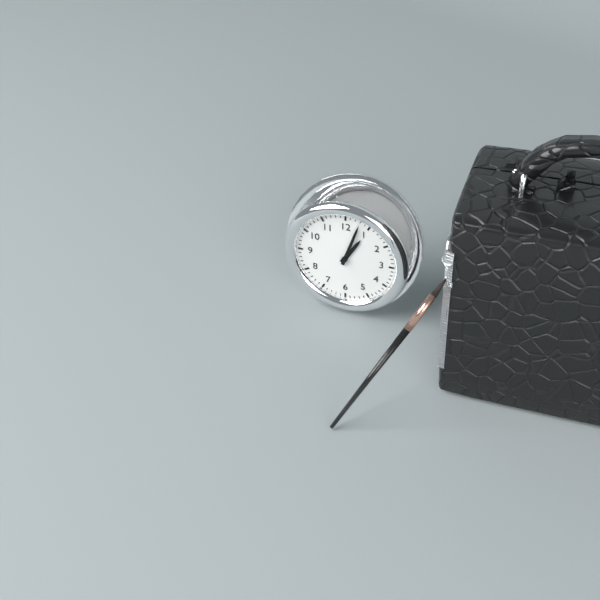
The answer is 1h03
